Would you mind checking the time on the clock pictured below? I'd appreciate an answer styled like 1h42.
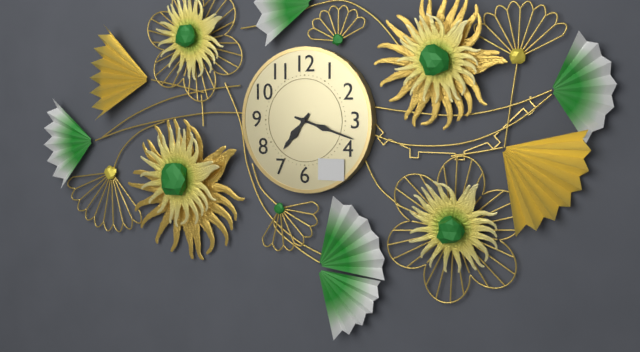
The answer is 7h18
